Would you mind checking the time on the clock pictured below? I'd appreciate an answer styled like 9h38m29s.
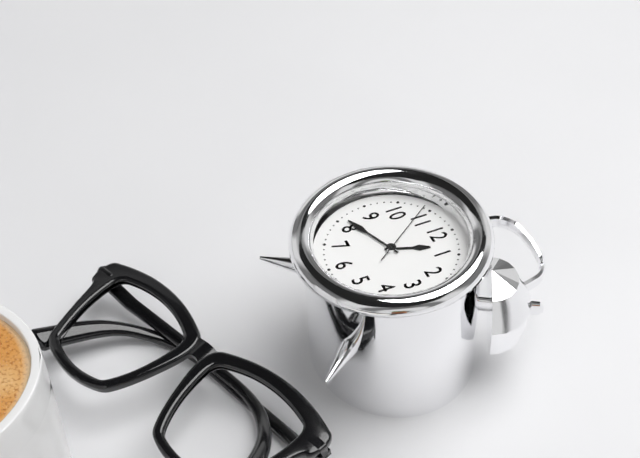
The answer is 12h41m54s
